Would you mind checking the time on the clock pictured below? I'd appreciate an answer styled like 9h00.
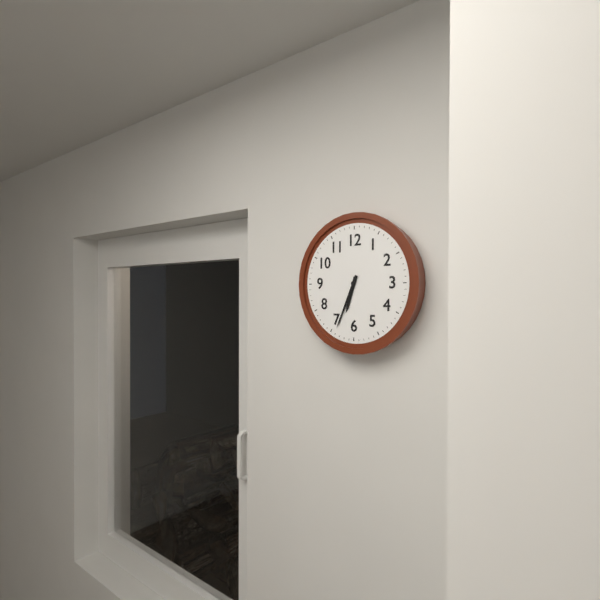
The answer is 6h34
